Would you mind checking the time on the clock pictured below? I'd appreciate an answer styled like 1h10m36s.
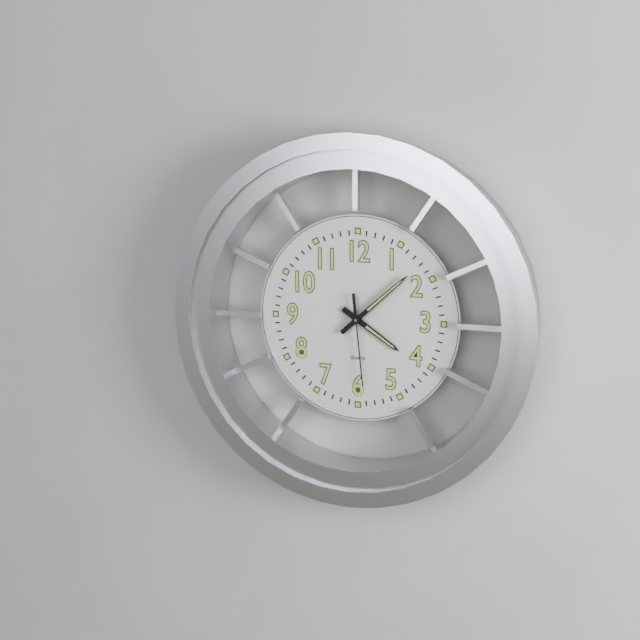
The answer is 4h08m29s
